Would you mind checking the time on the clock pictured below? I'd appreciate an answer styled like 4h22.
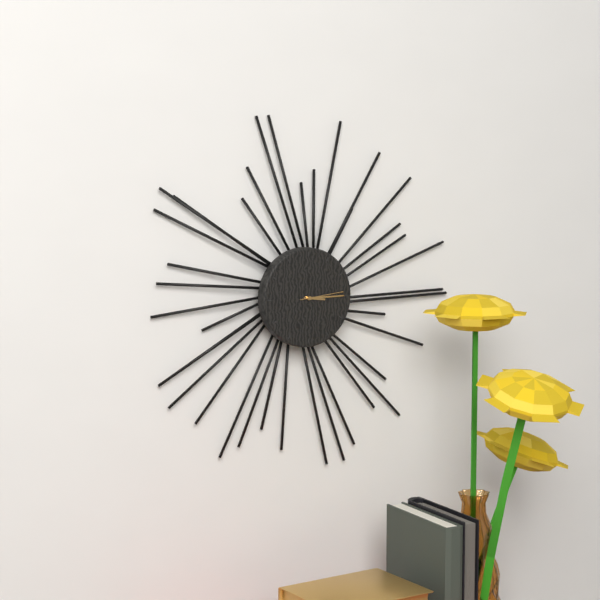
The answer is 3h15
